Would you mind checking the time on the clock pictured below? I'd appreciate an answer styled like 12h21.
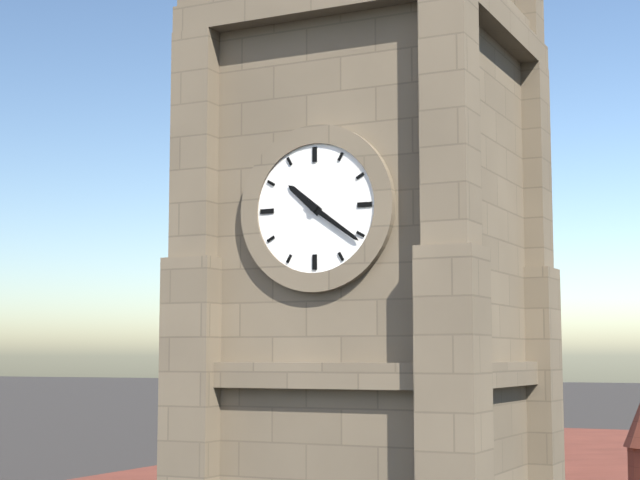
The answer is 10h21
